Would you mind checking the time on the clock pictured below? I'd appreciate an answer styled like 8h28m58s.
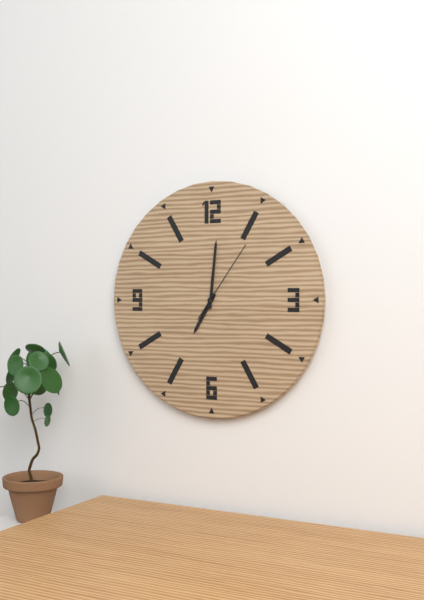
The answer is 7h01m06s
